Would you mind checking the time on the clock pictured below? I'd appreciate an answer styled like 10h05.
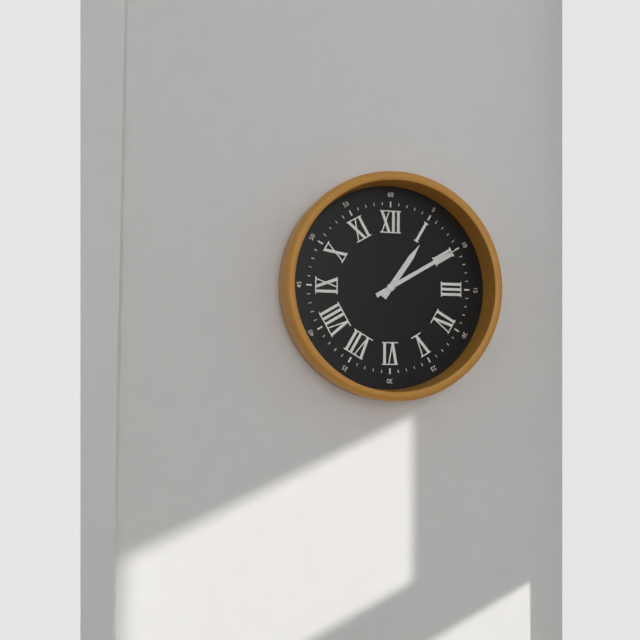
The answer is 1h10
